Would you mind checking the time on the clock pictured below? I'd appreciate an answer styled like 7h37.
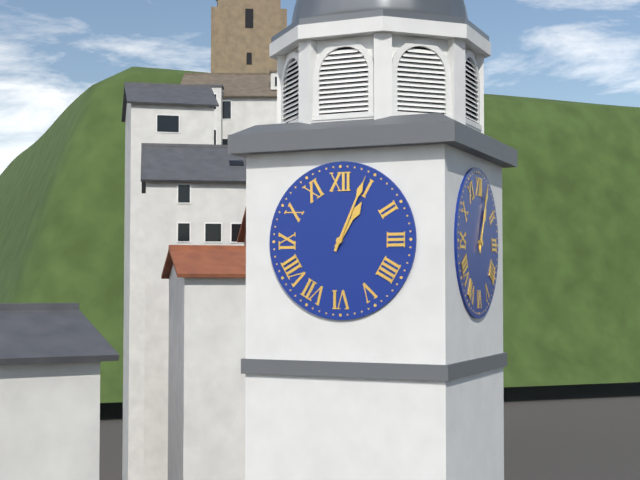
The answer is 1h04
